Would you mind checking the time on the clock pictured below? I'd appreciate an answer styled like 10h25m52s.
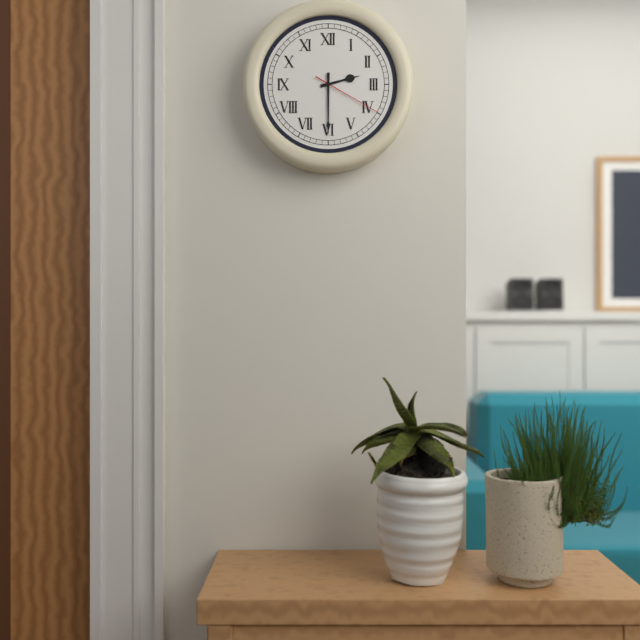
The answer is 2h30m20s
